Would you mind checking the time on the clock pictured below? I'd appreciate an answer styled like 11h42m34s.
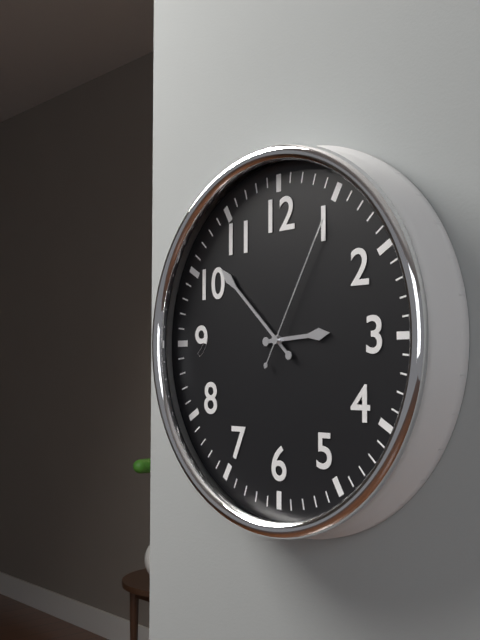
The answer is 2h52m05s
